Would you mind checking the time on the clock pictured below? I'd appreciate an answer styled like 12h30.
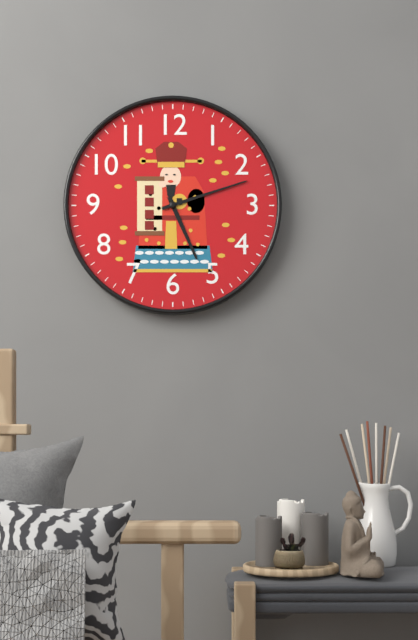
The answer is 5h12
